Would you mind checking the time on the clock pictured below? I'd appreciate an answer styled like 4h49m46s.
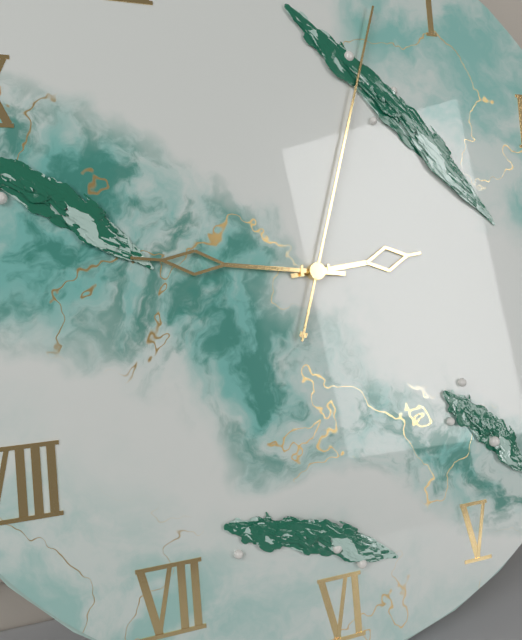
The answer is 2h46m03s
